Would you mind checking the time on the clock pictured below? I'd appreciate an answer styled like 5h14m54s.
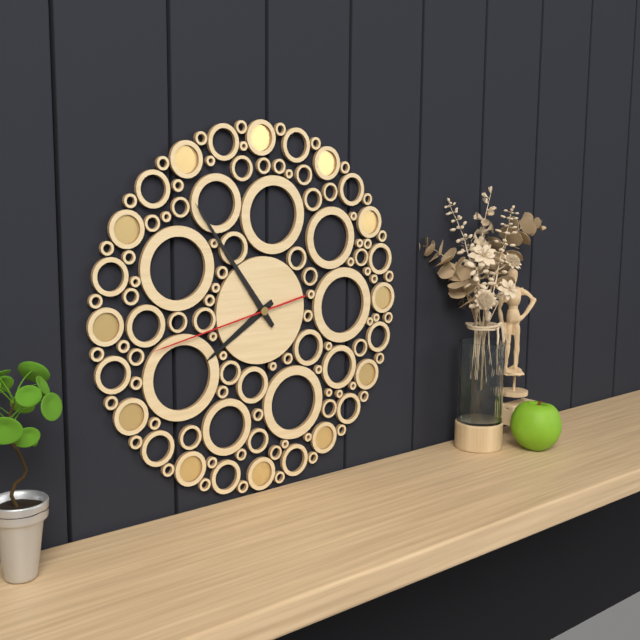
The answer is 7h54m43s
